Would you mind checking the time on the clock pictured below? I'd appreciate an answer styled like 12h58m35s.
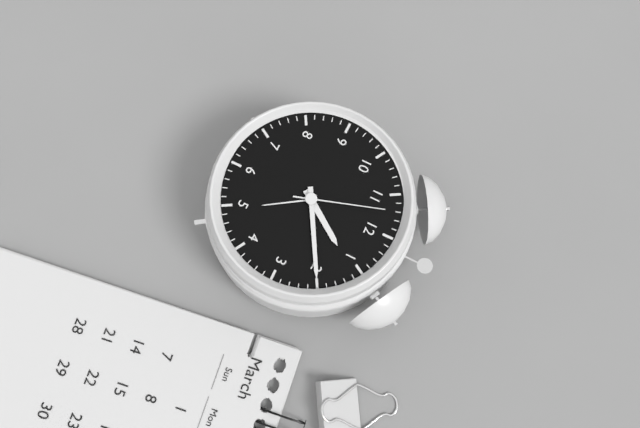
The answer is 1h10m57s
